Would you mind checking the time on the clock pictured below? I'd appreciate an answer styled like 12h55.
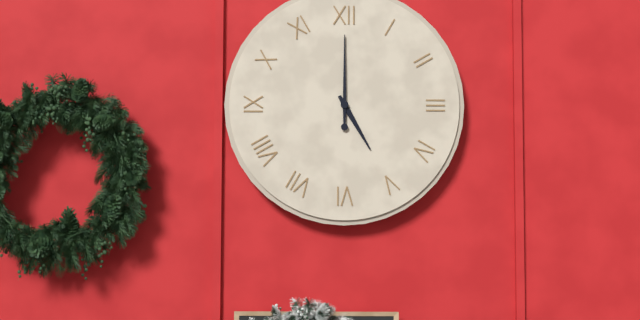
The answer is 5h00
